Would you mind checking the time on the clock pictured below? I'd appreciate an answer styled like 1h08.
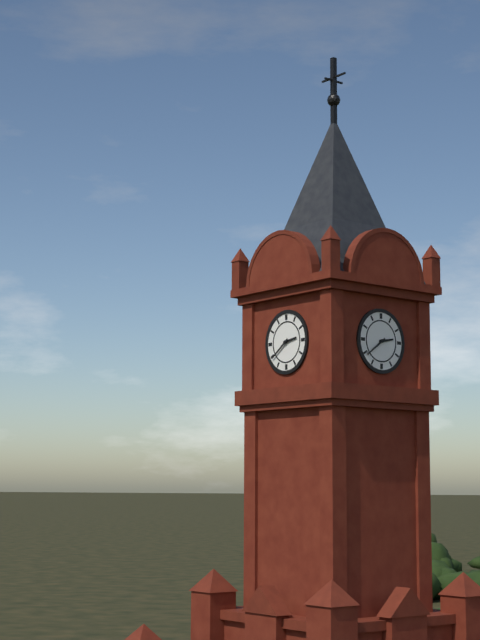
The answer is 2h39
